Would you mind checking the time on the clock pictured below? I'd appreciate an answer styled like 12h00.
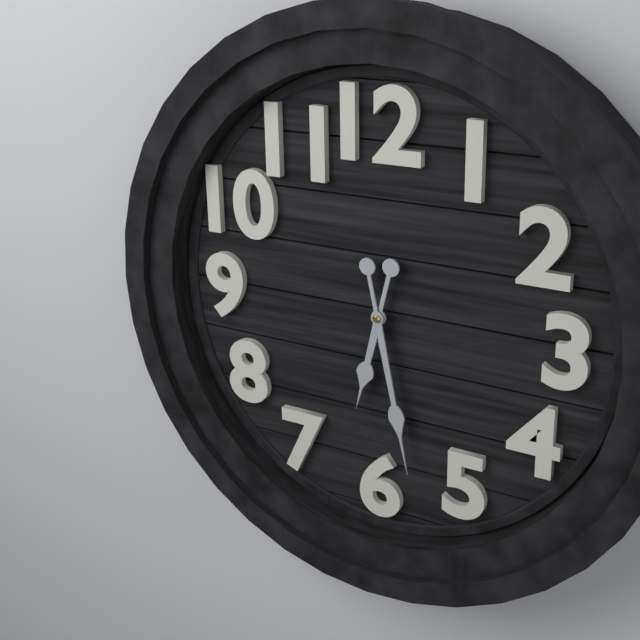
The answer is 6h28
